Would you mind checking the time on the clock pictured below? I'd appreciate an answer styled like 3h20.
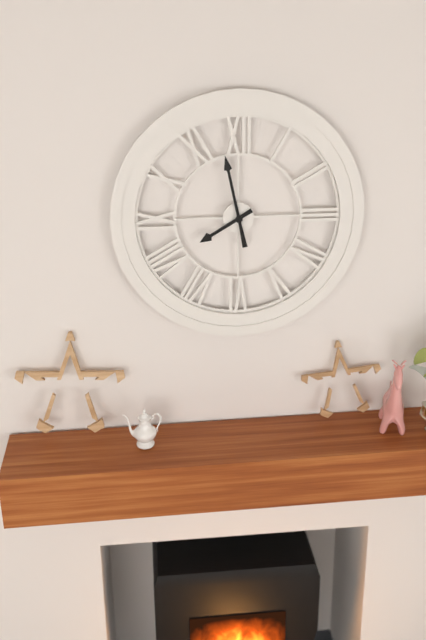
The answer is 7h58
